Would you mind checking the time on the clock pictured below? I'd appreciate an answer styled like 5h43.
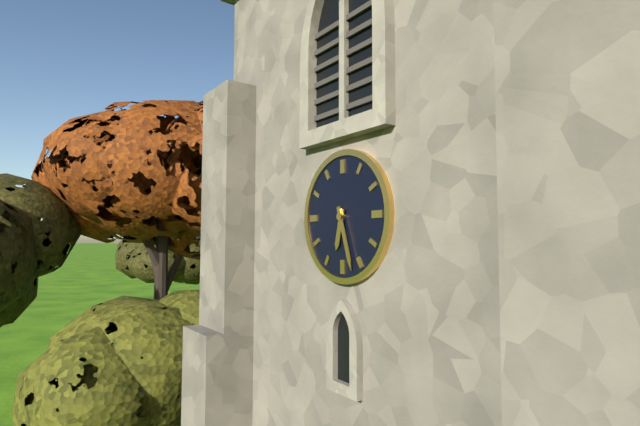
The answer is 6h27
